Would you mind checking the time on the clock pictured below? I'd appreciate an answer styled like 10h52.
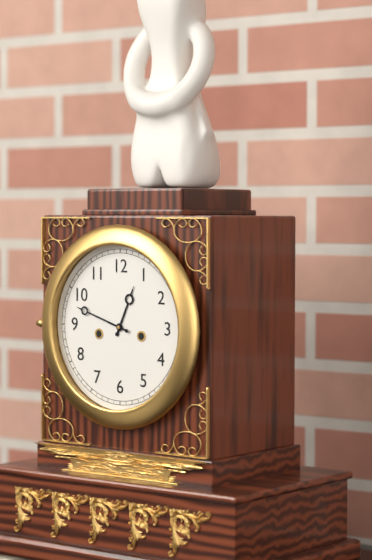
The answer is 12h48
